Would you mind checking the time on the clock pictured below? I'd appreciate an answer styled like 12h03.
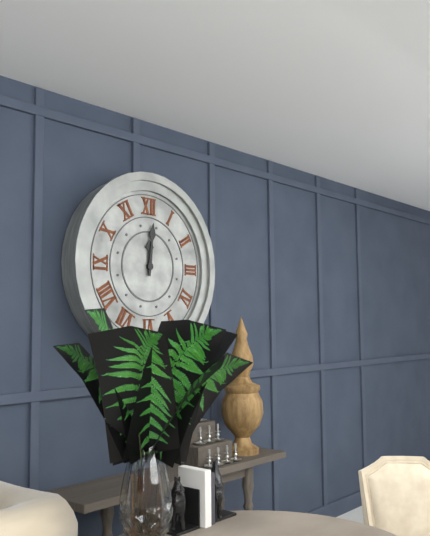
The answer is 12h01
